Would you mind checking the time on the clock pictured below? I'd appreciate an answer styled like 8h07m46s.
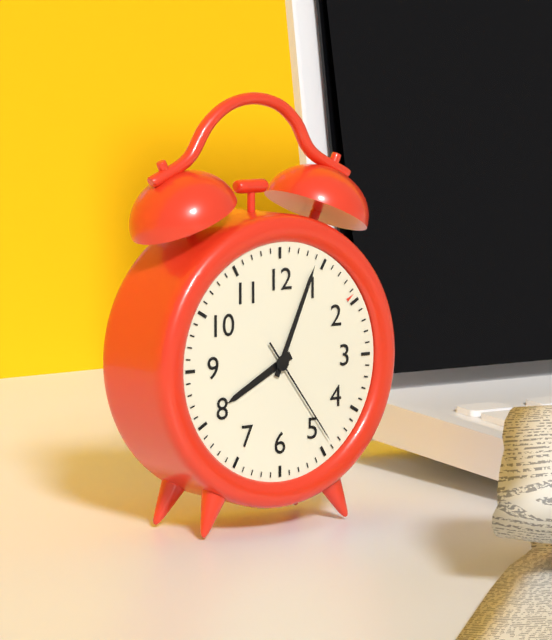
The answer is 8h04m24s
